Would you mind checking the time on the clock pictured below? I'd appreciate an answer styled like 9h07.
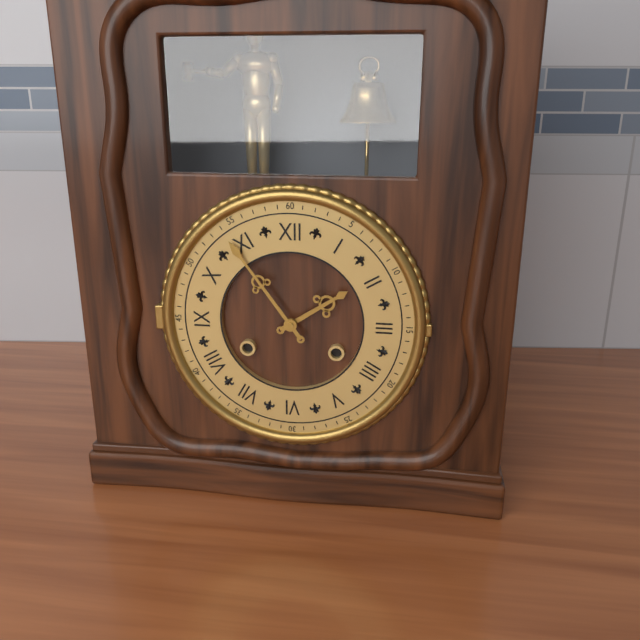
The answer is 1h54
